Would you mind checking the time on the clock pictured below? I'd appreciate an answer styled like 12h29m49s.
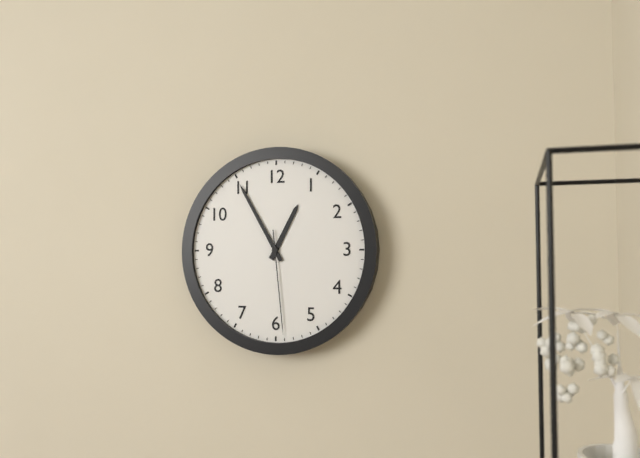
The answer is 12h55m29s
